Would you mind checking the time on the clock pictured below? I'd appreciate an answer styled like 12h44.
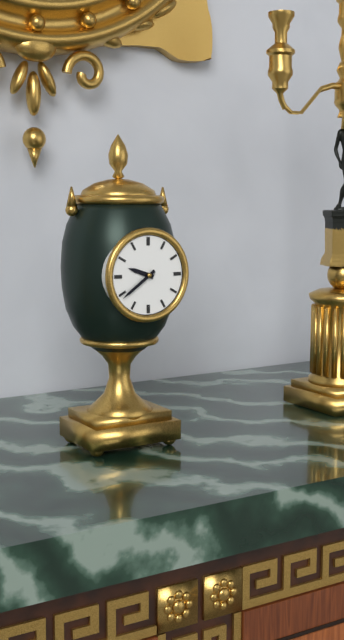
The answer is 9h39
